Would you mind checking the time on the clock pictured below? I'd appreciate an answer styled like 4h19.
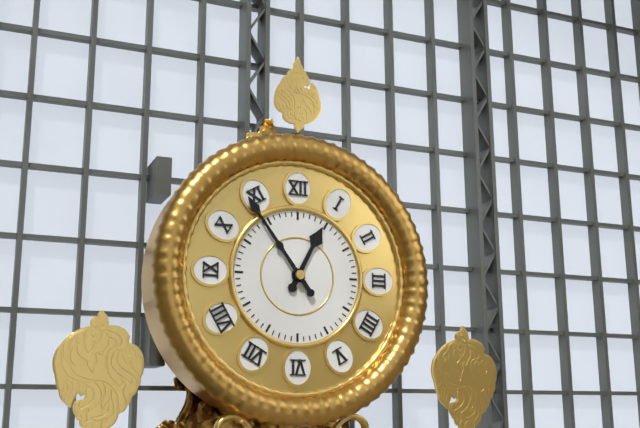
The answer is 12h54
